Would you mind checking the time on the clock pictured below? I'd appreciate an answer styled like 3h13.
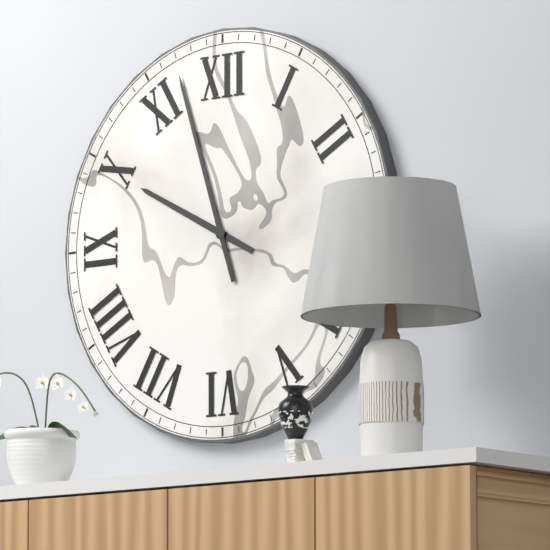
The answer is 9h57
